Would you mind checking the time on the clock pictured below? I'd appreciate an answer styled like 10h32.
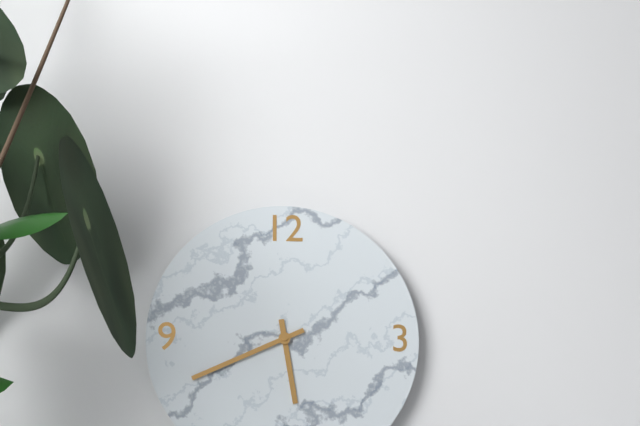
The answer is 5h41
